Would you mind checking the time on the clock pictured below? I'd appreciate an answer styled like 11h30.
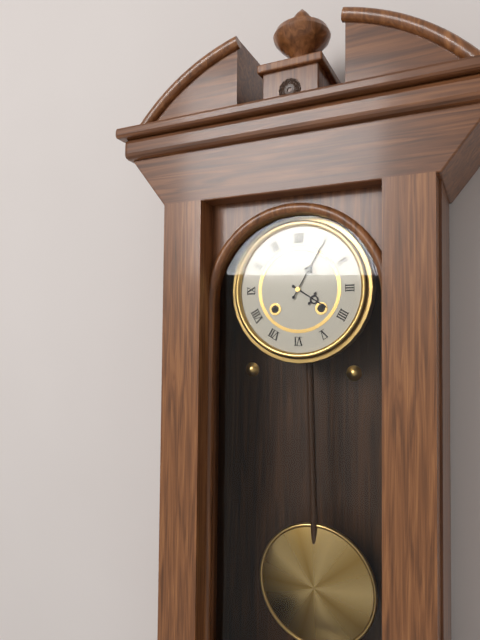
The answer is 4h05
